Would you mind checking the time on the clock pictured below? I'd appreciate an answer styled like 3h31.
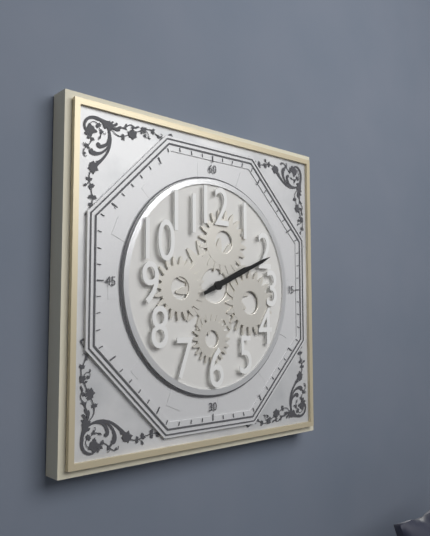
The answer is 2h11
